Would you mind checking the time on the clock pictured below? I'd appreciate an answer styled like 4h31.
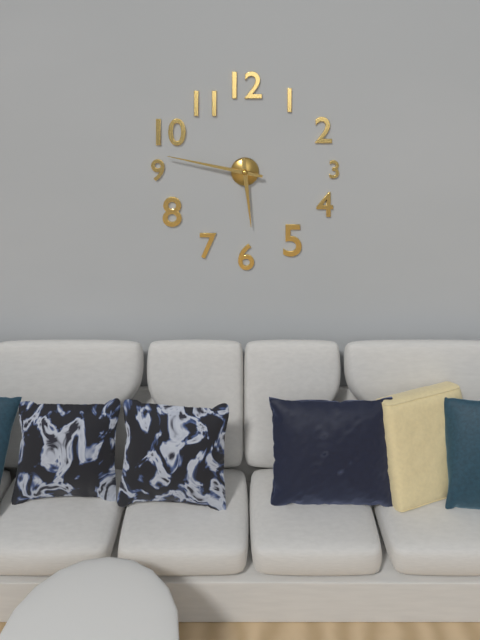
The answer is 5h47
